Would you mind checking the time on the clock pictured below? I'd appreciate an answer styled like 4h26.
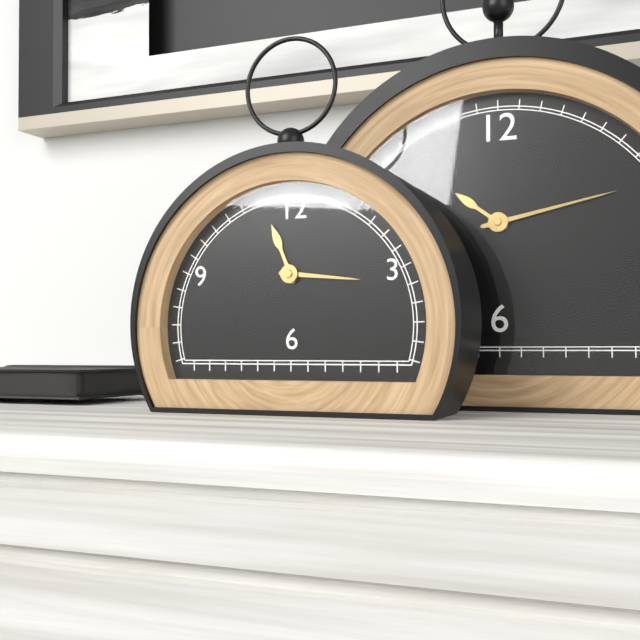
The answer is 11h16
